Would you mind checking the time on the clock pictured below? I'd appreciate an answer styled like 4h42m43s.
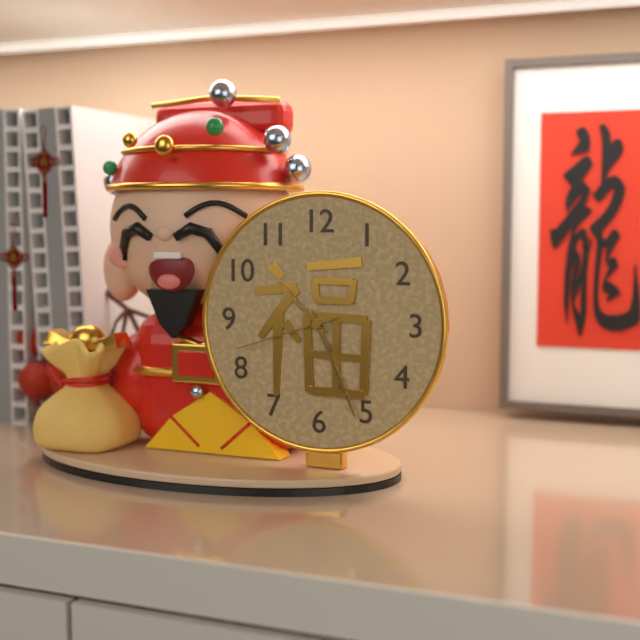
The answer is 10h26m42s
